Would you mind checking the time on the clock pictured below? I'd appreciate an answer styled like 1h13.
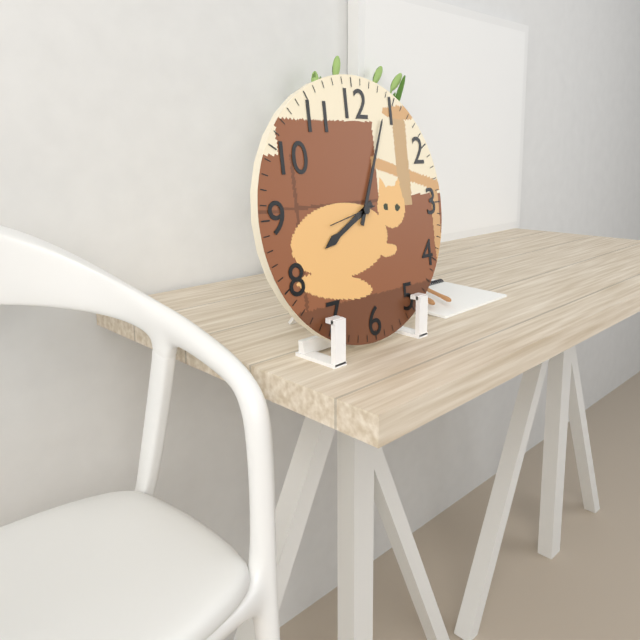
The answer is 8h04
